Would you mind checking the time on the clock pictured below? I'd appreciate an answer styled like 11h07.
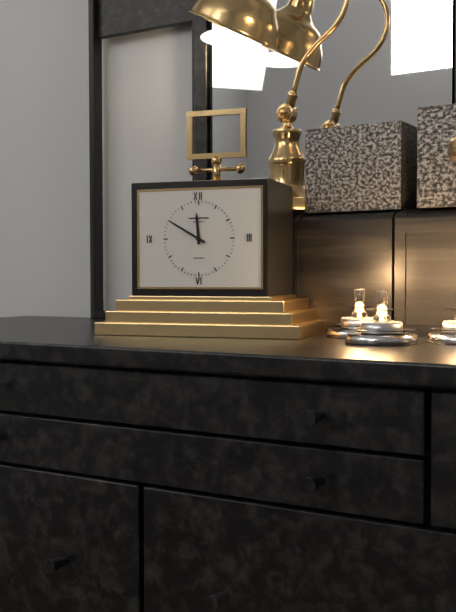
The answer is 11h50
